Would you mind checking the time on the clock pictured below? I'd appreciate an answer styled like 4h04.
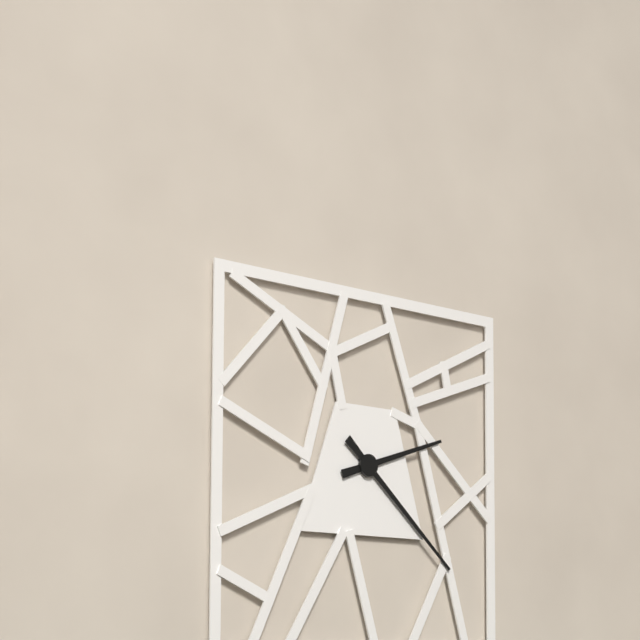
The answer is 2h22
